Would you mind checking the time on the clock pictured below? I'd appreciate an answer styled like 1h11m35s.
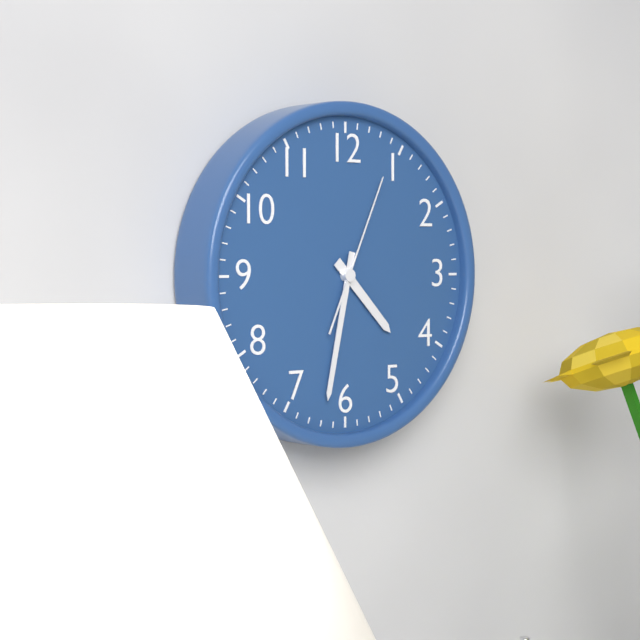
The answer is 4h32m04s
